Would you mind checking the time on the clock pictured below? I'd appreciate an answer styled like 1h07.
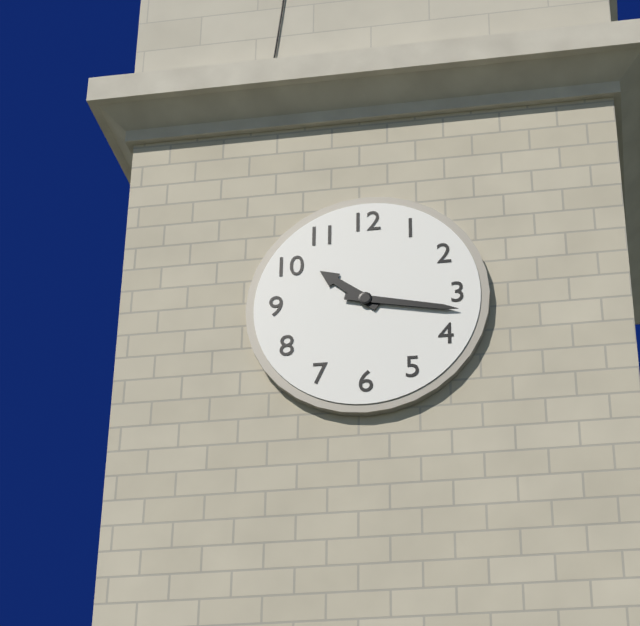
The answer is 10h17
